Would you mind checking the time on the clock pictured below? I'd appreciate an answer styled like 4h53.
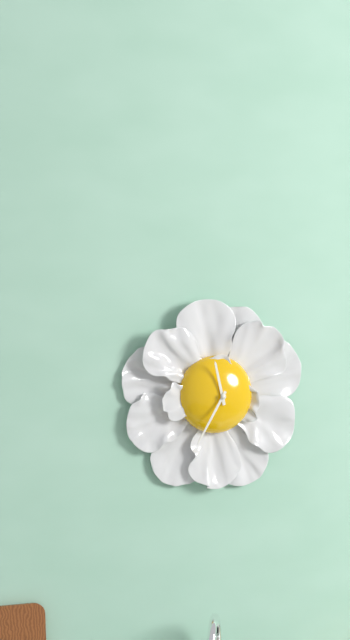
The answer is 11h35
